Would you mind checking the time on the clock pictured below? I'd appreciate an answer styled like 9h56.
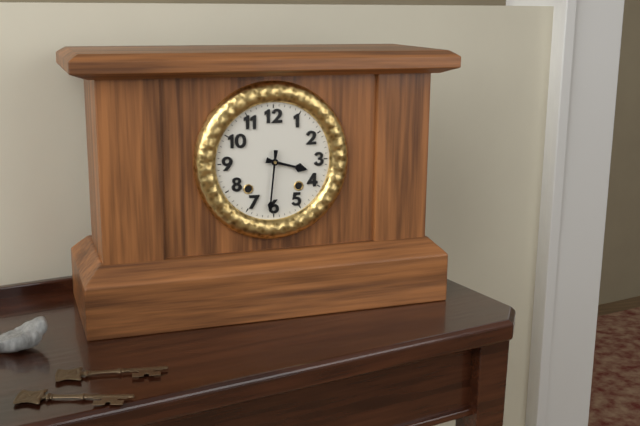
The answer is 3h31
